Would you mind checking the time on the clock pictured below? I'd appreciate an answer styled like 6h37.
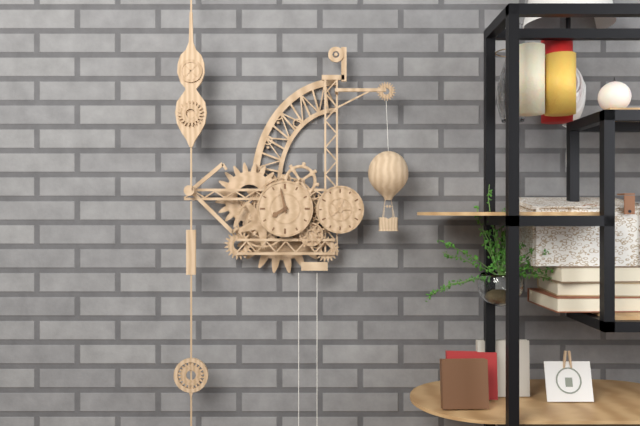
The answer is 7h58
